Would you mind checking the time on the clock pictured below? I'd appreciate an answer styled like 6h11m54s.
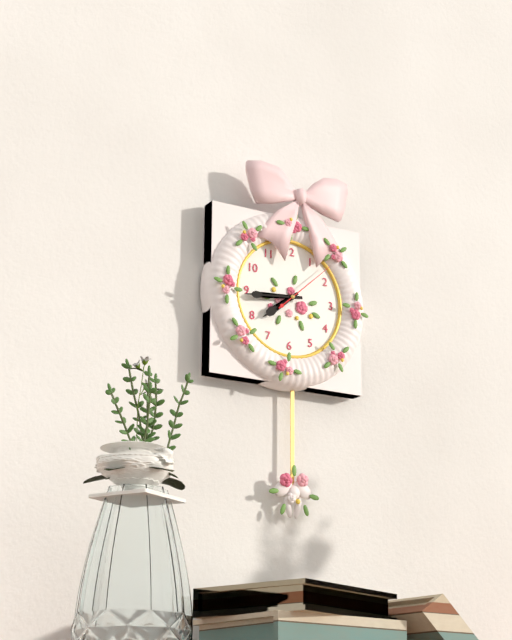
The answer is 7h44m08s
